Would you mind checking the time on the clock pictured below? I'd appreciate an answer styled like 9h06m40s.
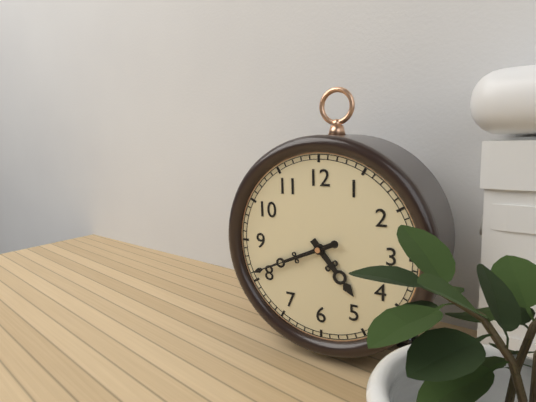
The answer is 4h41m41s
